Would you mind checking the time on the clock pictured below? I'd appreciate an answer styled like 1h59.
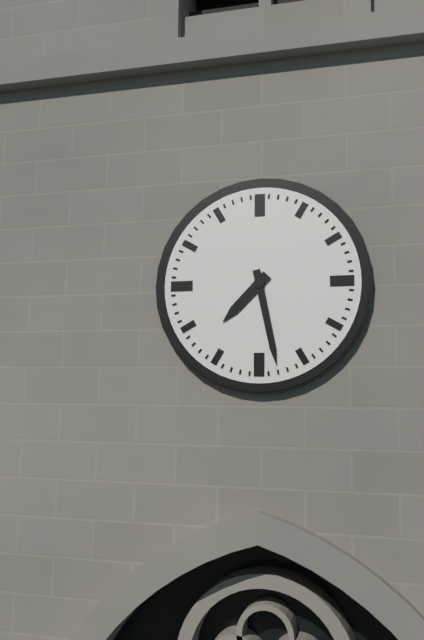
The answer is 7h28
